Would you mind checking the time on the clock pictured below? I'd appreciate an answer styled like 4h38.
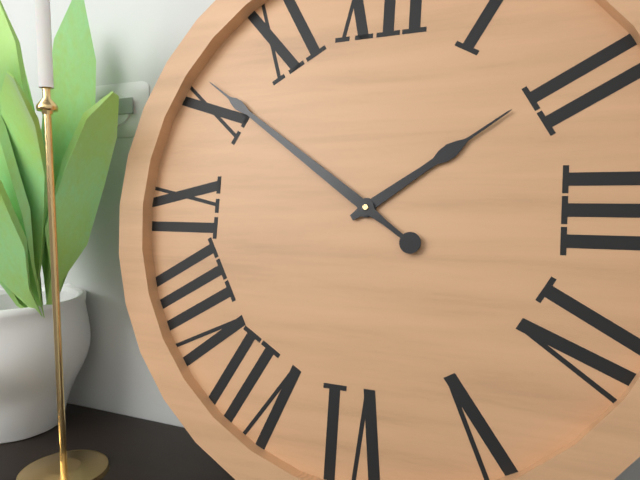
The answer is 1h51
